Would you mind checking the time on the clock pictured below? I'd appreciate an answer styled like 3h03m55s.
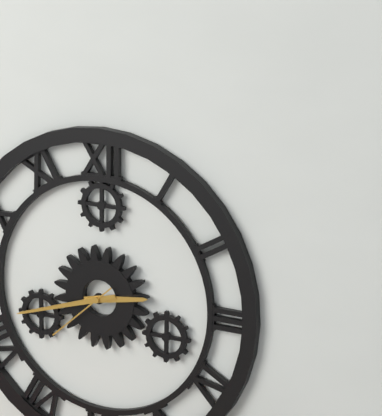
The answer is 2h42m38s
